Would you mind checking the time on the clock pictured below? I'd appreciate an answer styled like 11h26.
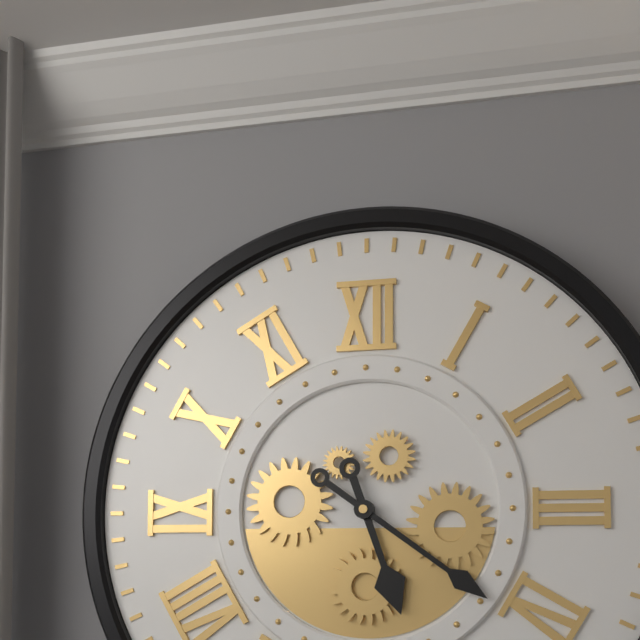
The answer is 5h21
